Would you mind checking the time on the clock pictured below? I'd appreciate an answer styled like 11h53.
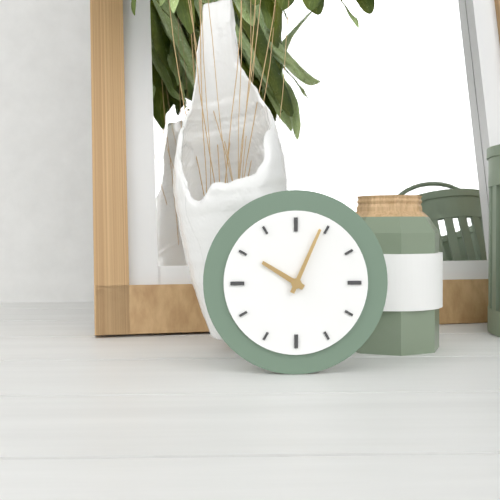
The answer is 10h04
